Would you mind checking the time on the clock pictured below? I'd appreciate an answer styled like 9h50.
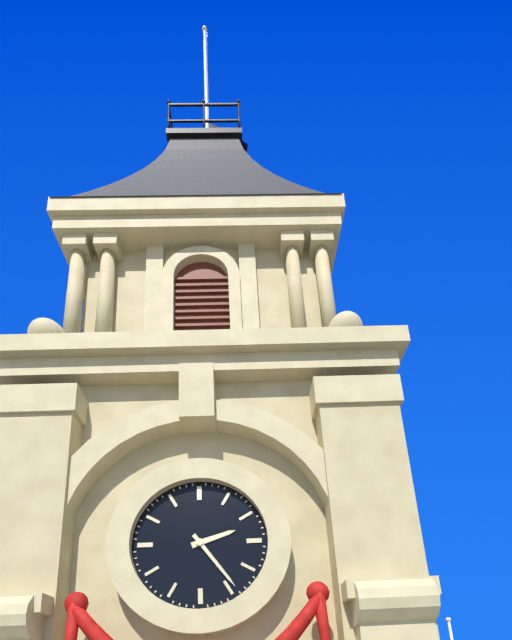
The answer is 2h24
